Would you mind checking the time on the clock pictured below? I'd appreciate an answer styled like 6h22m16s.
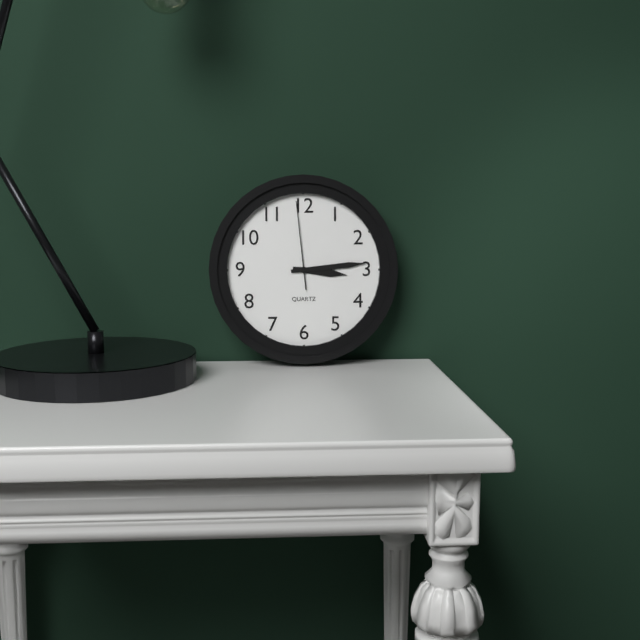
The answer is 3h14m59s
